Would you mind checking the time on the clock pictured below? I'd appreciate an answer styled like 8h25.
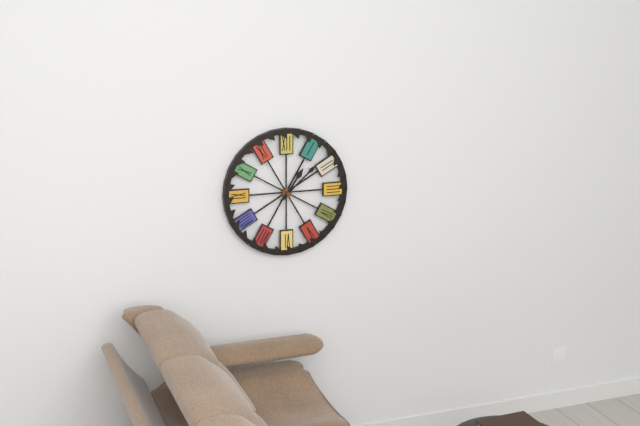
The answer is 1h08
